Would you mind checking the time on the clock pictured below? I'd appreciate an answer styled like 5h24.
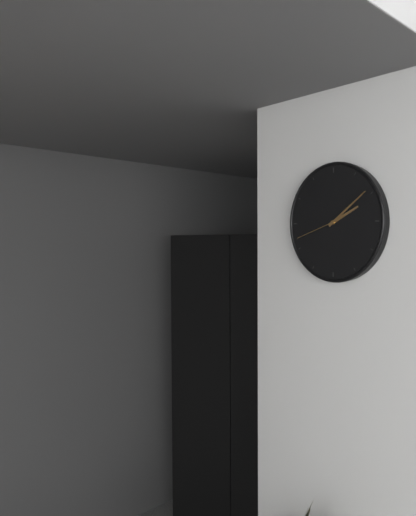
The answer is 2h09
